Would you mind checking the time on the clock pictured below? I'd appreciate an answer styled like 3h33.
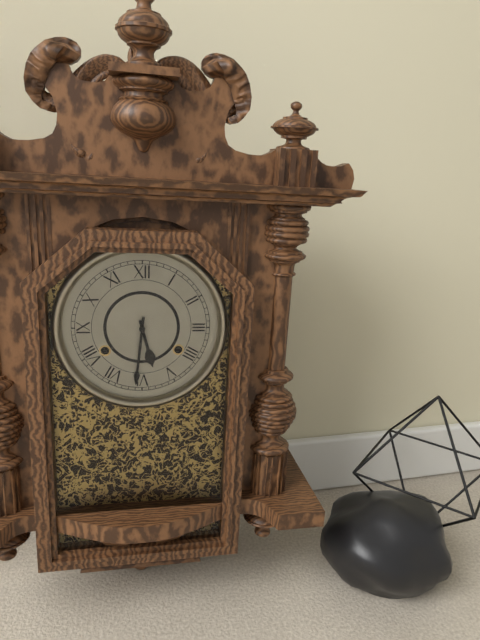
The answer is 5h31
